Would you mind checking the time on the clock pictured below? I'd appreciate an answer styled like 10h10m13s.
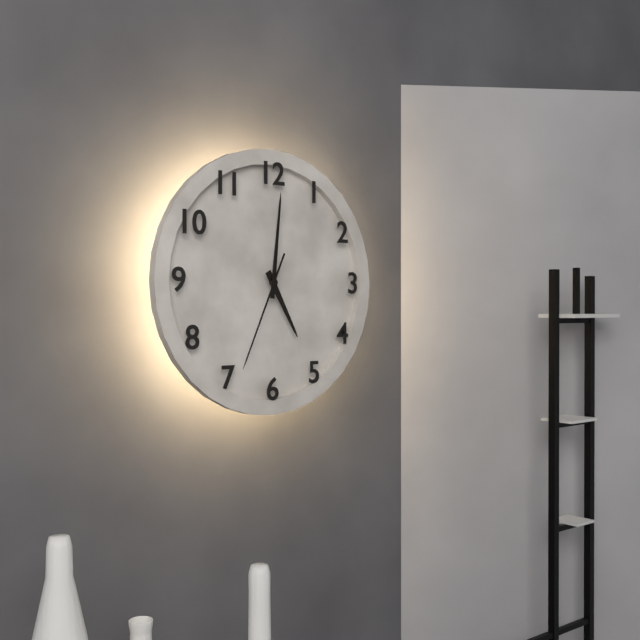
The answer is 5h01m34s
